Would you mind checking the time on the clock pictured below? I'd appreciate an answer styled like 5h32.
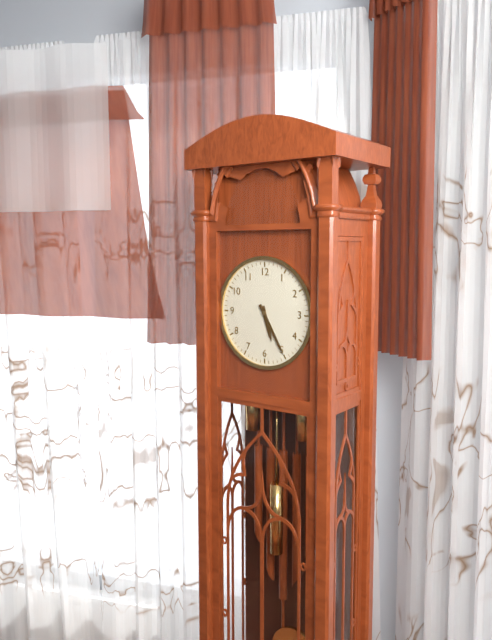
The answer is 5h25
